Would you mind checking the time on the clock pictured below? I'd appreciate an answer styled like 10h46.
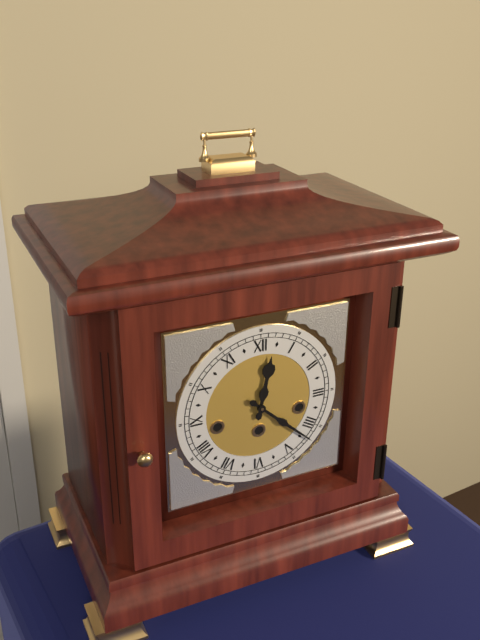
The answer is 12h22
